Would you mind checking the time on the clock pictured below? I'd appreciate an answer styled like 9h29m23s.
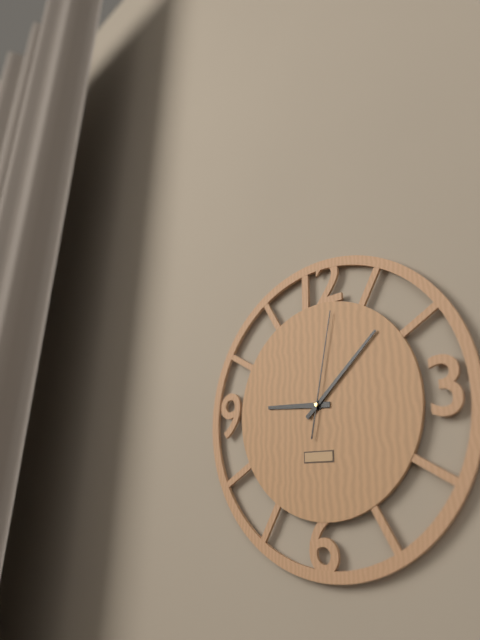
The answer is 9h08m02s
